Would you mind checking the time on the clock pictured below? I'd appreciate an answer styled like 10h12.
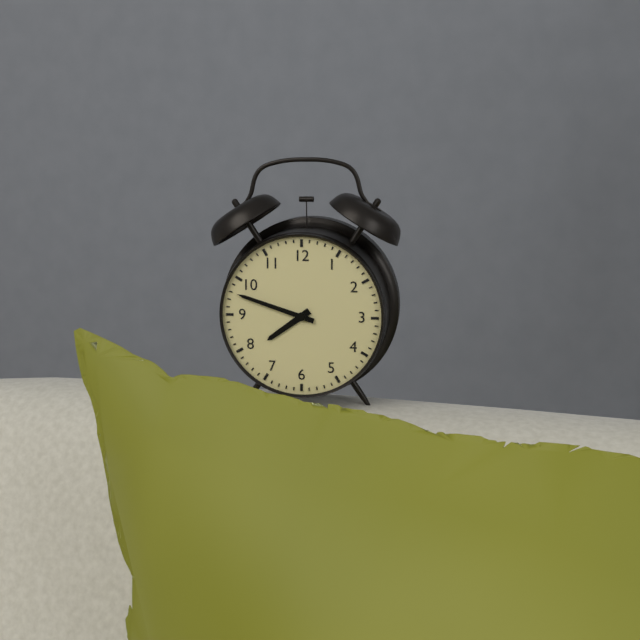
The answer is 7h48
